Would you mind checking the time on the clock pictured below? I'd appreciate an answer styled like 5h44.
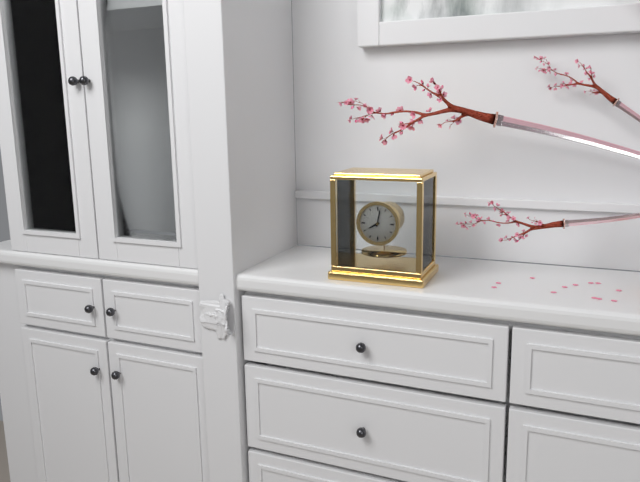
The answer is 8h02
